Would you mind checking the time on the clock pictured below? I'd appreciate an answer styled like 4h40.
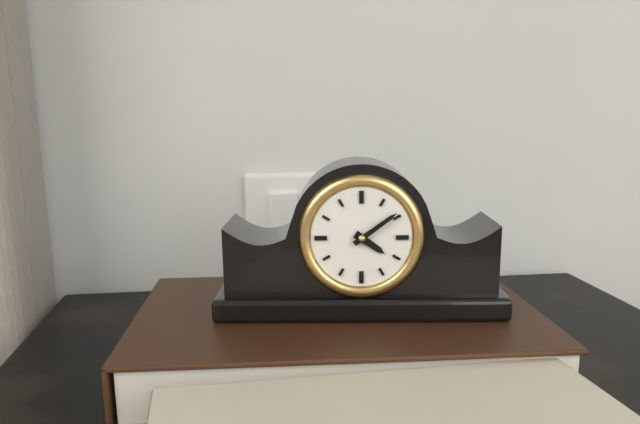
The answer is 4h09
